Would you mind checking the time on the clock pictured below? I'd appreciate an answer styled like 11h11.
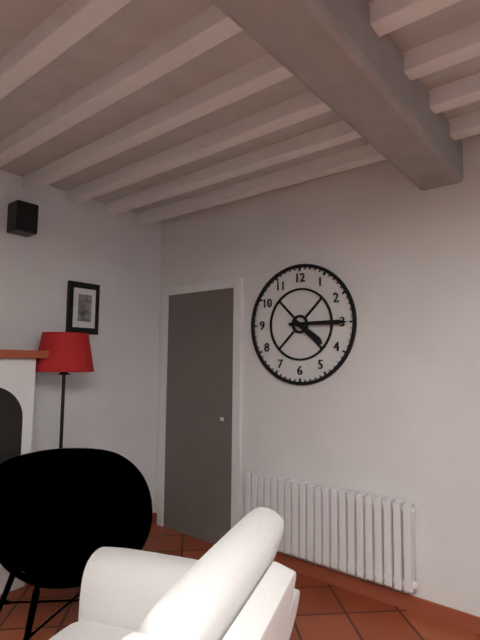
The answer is 4h15
